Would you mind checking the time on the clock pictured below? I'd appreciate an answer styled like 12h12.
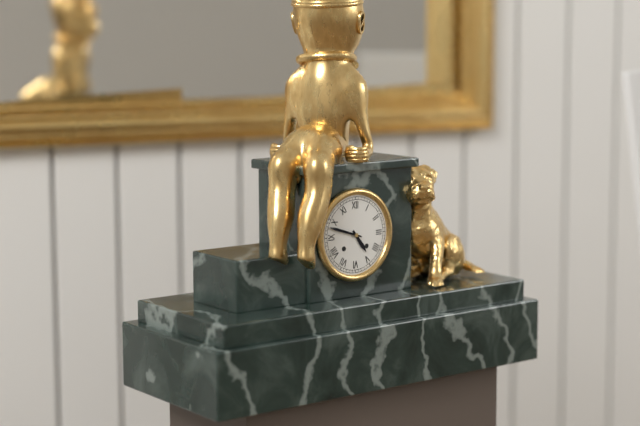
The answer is 4h48
